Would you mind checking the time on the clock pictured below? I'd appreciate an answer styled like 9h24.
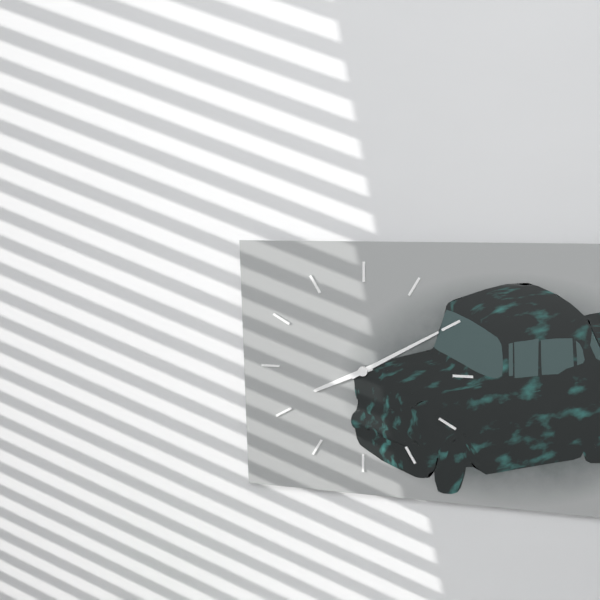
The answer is 8h10
